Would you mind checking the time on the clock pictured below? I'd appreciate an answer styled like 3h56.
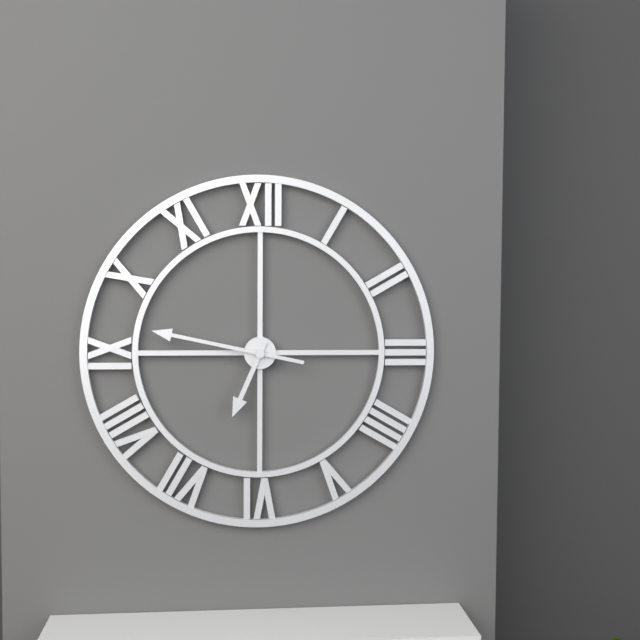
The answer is 6h47
